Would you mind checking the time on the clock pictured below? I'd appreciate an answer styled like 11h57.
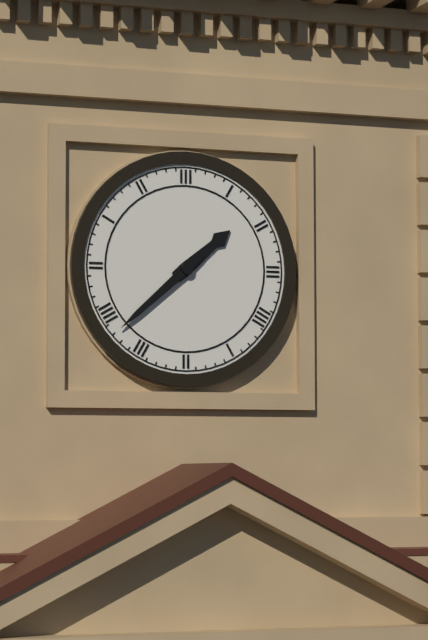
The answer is 1h38
